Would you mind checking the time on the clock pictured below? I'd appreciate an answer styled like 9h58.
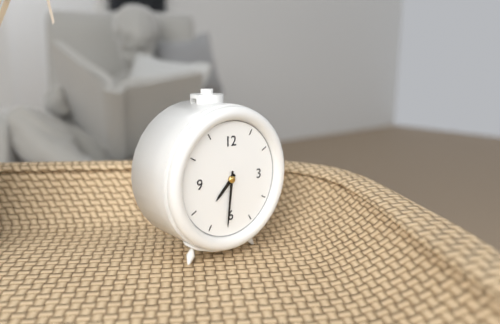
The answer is 7h31
